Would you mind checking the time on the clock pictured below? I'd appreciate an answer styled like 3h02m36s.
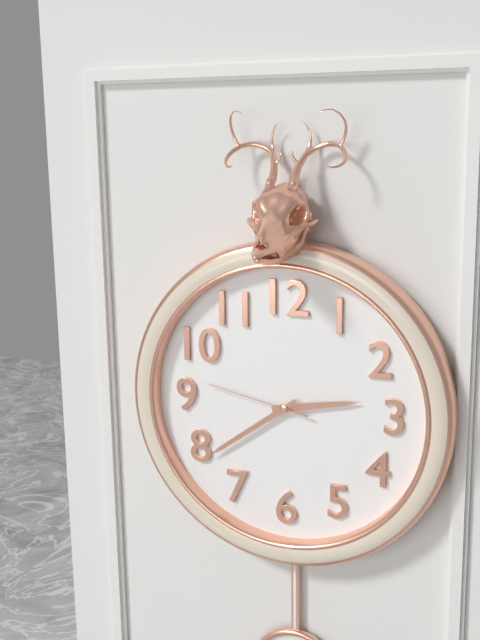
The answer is 2h39m47s
